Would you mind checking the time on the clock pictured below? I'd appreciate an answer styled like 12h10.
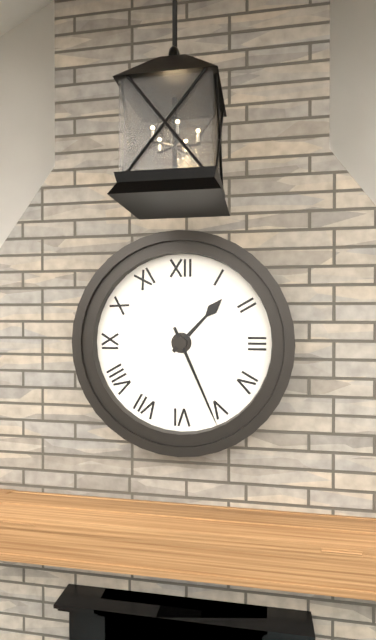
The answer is 1h26
